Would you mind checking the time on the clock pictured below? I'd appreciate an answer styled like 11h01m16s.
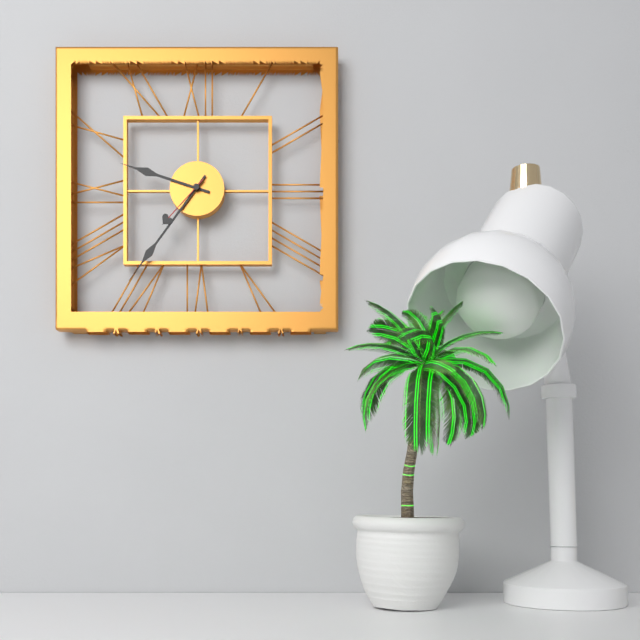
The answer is 9h36m37s
